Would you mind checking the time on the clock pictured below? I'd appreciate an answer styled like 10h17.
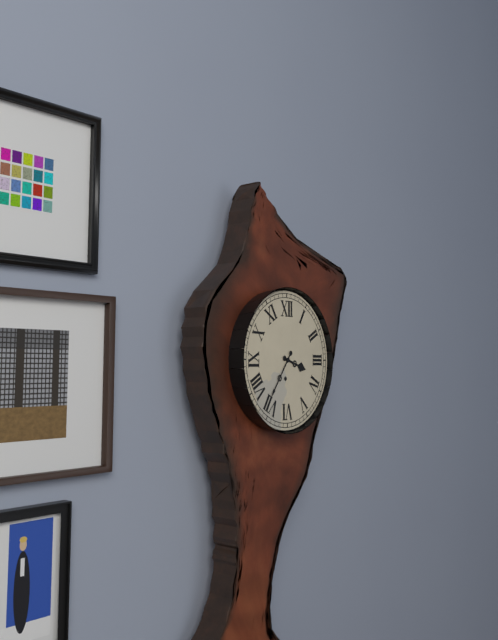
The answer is 3h36
